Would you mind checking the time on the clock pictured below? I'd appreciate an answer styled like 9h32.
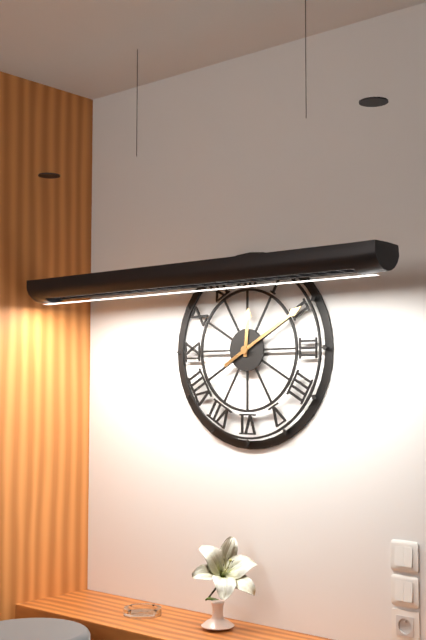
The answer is 12h10
